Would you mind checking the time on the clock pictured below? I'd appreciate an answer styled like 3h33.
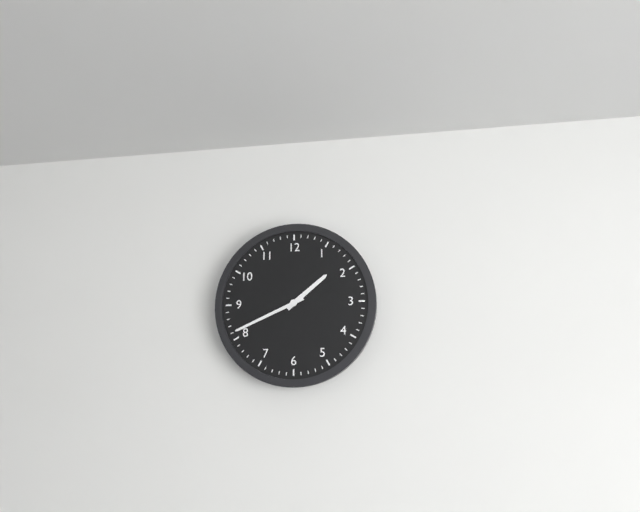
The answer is 1h41
